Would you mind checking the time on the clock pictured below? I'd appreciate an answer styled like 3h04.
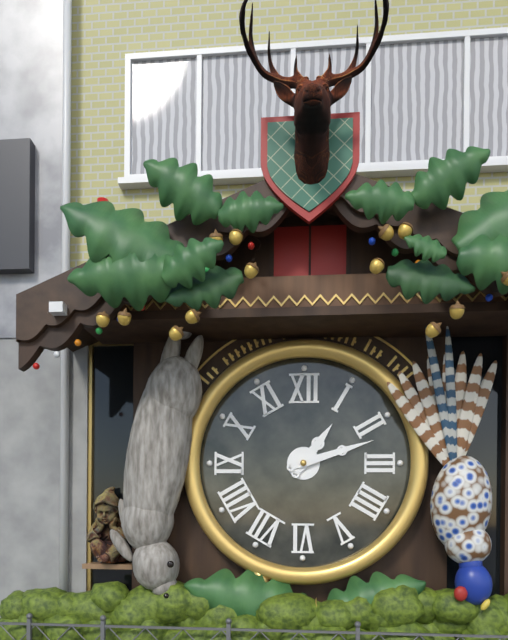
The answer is 1h12
